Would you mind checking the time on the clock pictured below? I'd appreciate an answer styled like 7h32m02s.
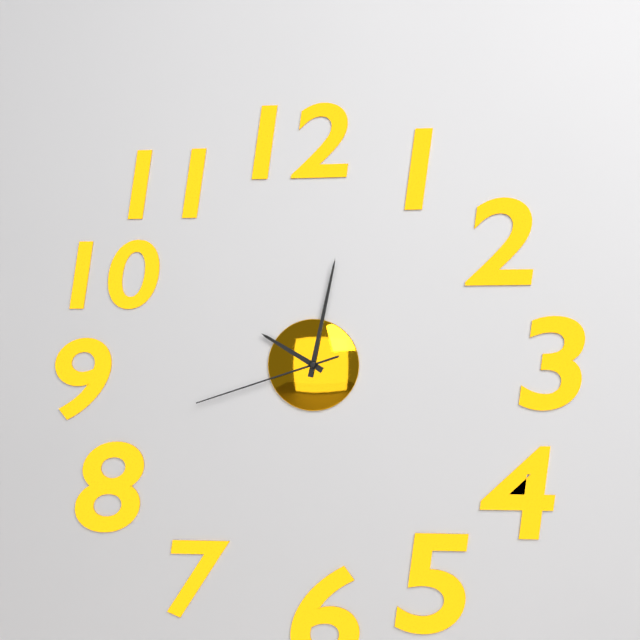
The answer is 10h02m42s
